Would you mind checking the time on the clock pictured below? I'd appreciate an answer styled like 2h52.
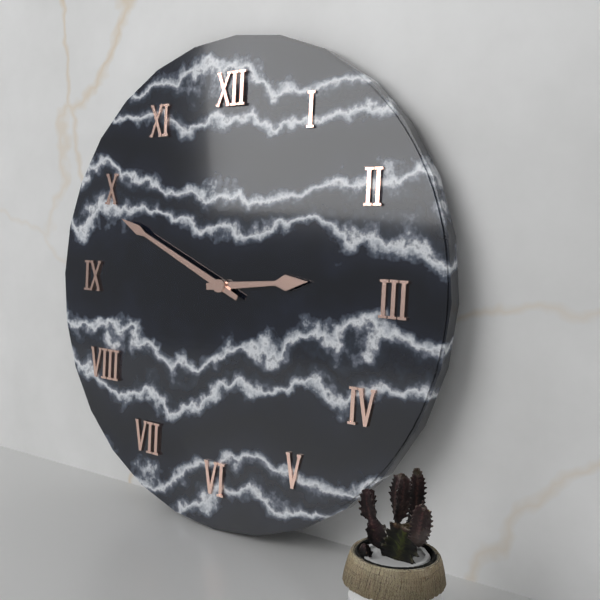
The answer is 2h49
